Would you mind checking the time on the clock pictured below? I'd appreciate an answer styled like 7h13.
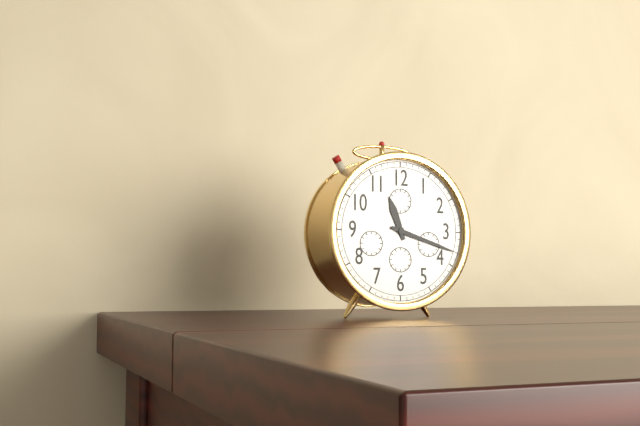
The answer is 11h18
